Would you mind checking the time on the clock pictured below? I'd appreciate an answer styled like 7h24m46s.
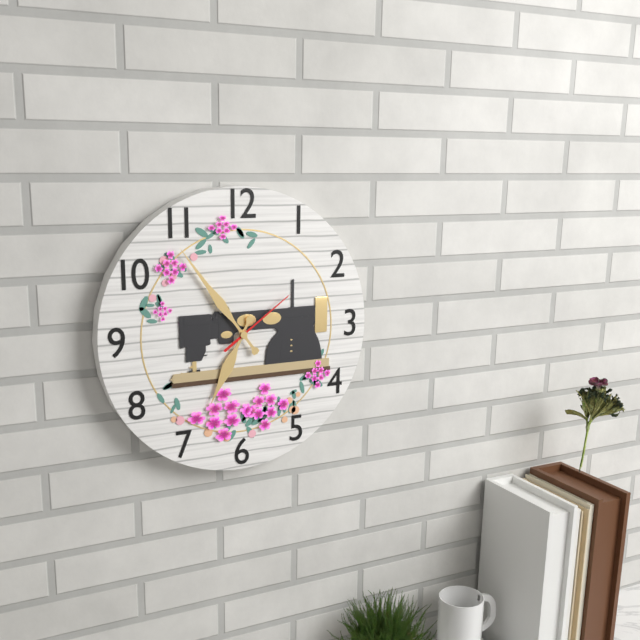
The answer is 6h54m09s
